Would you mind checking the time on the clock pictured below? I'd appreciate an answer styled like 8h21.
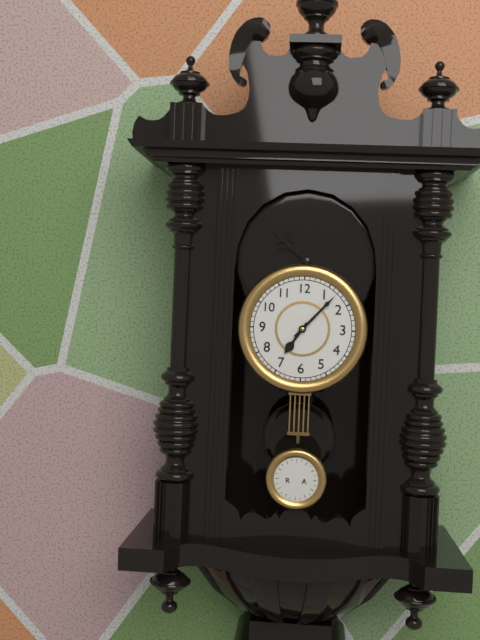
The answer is 7h07
